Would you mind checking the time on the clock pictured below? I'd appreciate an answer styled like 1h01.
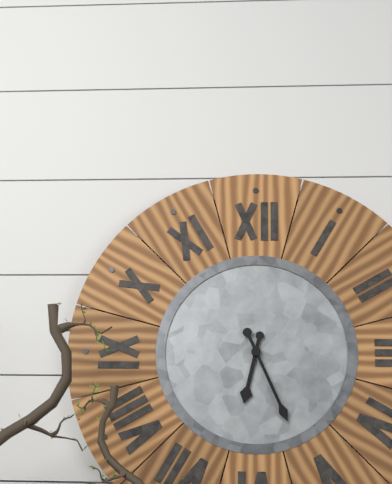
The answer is 6h26
